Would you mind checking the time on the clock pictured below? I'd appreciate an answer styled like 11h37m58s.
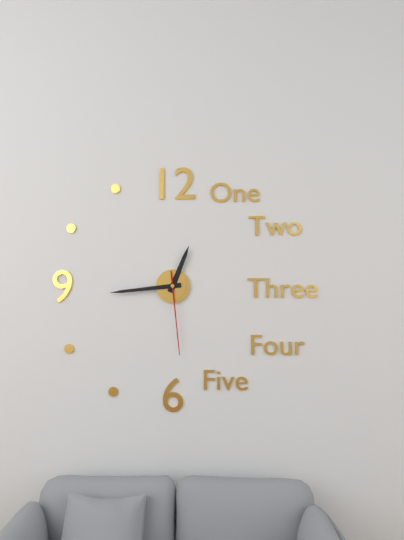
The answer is 12h44m29s
